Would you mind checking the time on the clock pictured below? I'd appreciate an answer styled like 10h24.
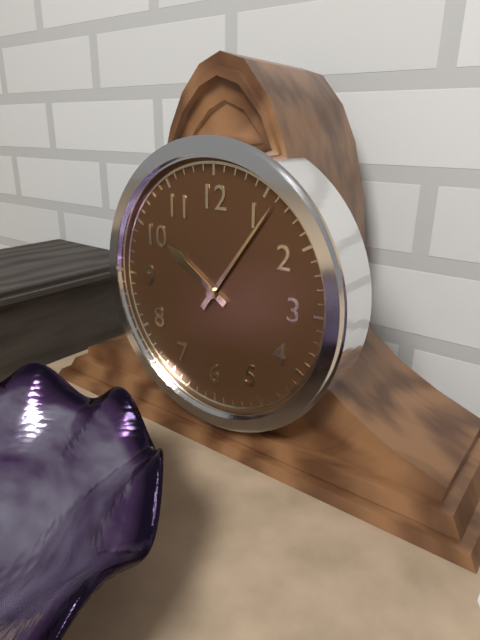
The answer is 10h06
